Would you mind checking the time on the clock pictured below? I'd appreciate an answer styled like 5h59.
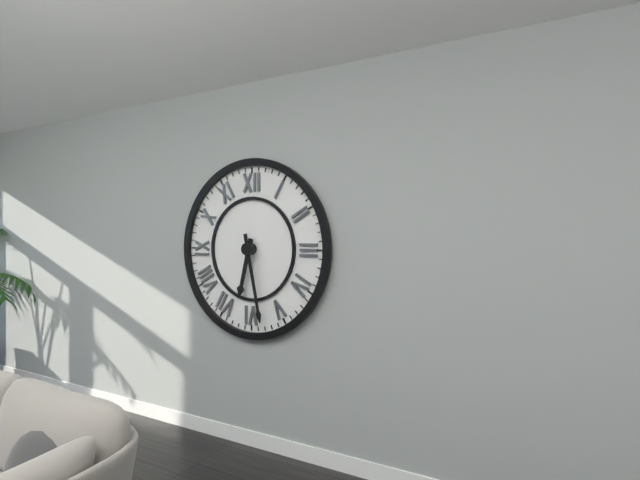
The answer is 6h28
